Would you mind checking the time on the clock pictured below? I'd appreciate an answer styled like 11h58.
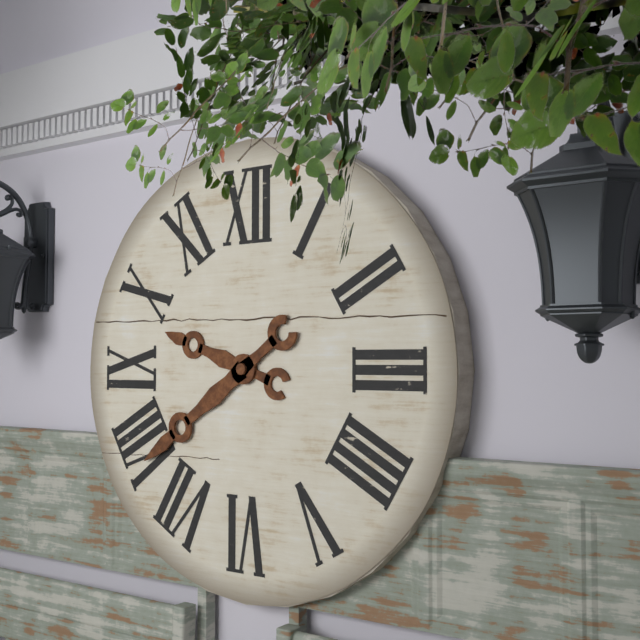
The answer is 9h39
